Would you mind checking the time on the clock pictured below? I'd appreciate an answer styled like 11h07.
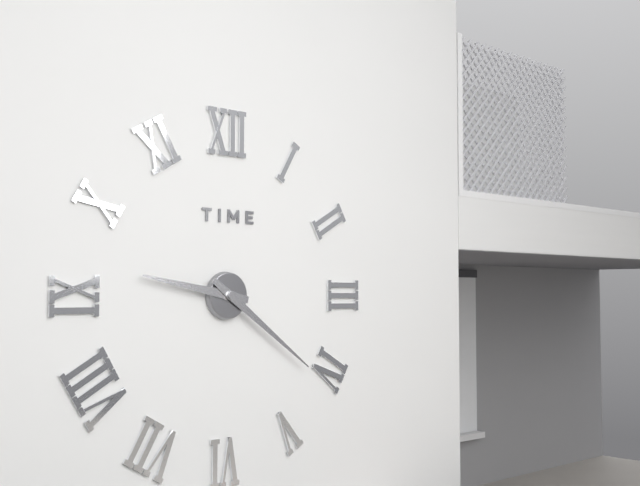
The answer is 9h21
